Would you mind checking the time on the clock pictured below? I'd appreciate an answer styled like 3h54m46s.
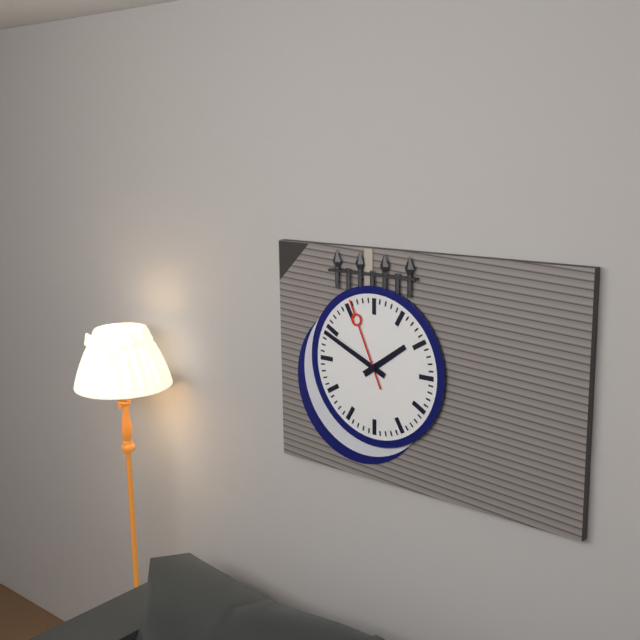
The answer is 1h49m56s
